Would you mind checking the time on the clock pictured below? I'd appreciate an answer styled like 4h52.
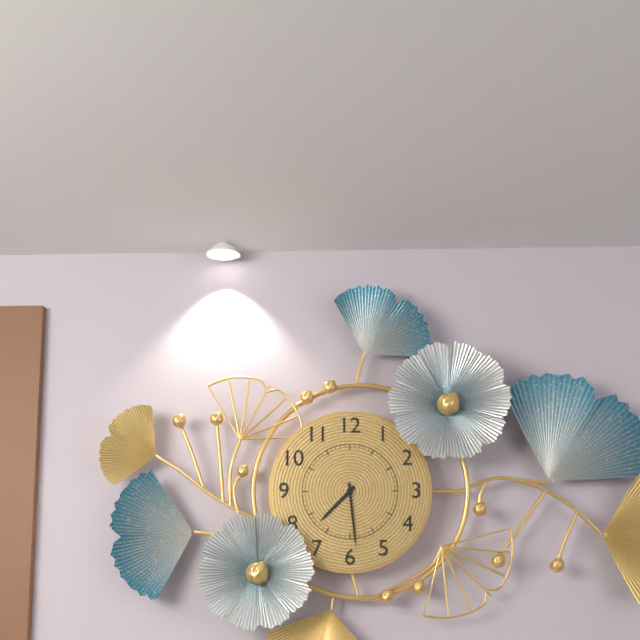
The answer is 7h29
